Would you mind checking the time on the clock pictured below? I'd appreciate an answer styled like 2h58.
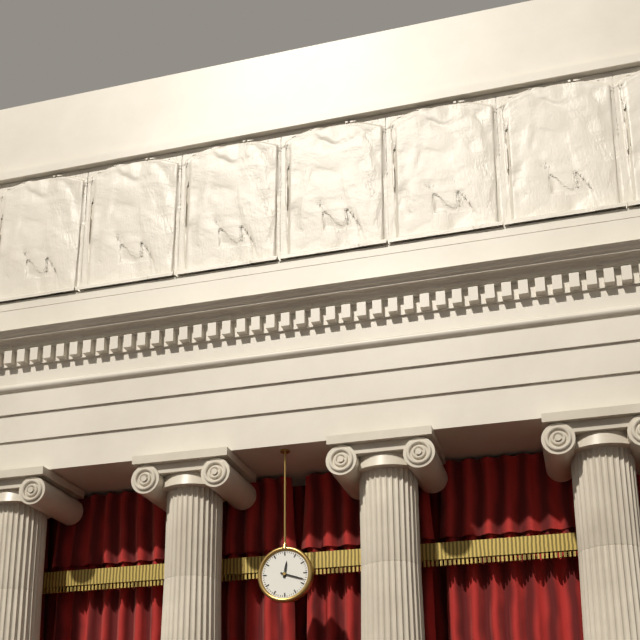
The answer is 12h18
